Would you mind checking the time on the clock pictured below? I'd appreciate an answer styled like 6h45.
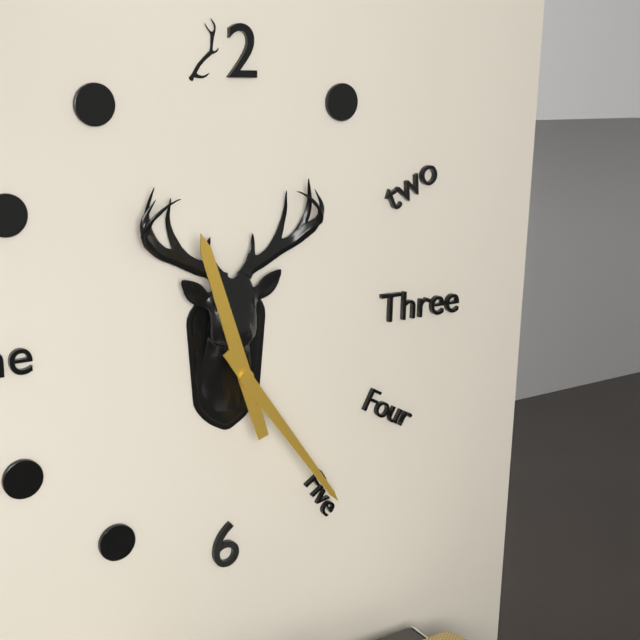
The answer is 11h24
